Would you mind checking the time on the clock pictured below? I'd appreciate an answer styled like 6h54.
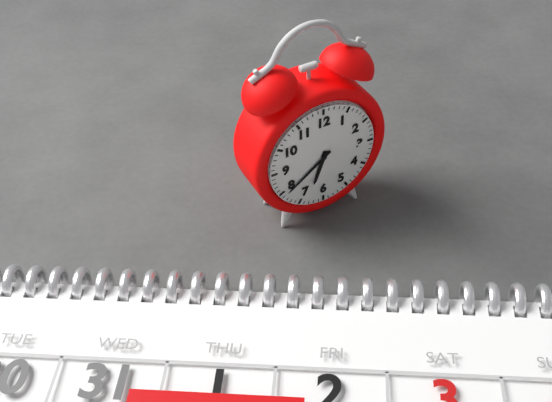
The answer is 6h39
